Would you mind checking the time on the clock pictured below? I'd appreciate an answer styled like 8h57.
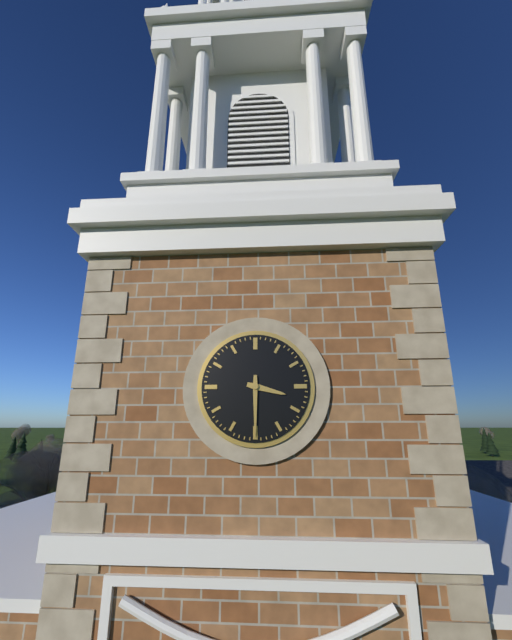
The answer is 3h30
